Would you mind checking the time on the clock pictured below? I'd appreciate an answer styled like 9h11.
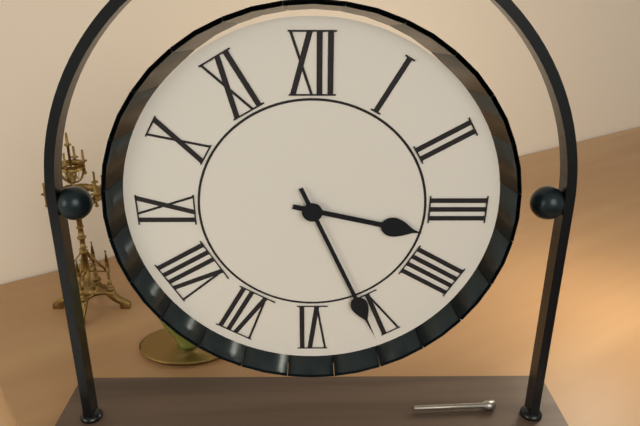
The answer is 3h26
